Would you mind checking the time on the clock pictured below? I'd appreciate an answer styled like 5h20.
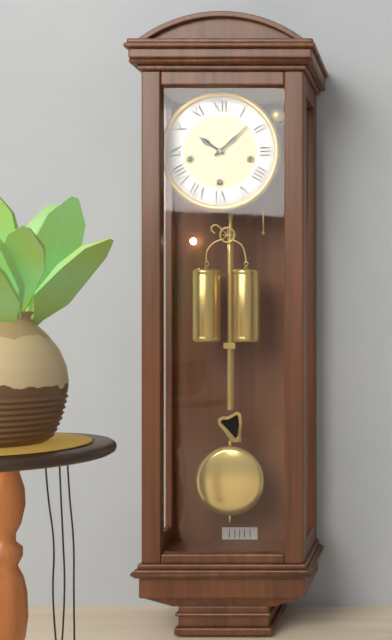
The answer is 10h08
